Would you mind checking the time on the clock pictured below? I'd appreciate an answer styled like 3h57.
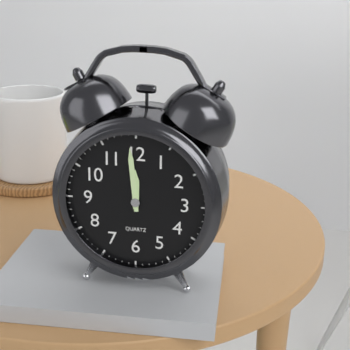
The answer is 11h59
